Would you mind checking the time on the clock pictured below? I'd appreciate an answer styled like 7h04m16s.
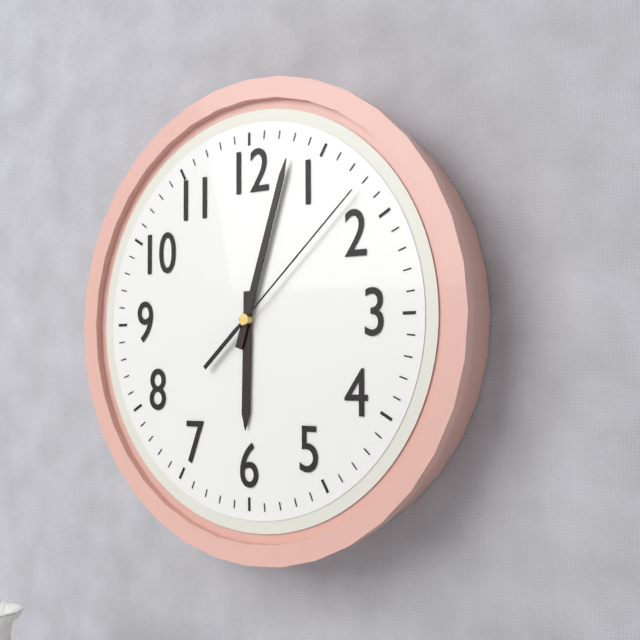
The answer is 6h03m08s
